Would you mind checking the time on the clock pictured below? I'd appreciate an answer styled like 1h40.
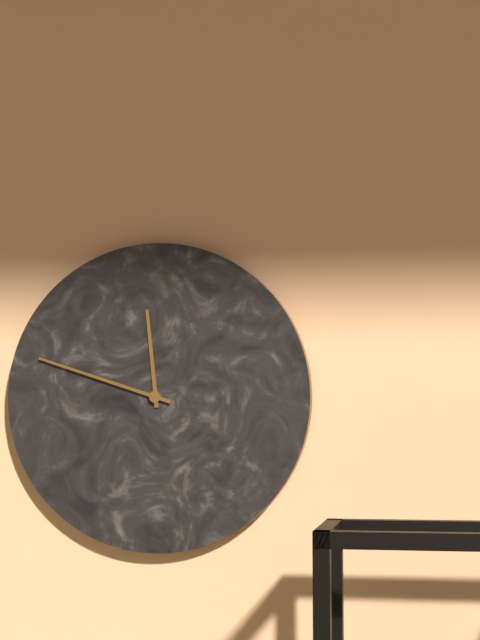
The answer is 11h48
